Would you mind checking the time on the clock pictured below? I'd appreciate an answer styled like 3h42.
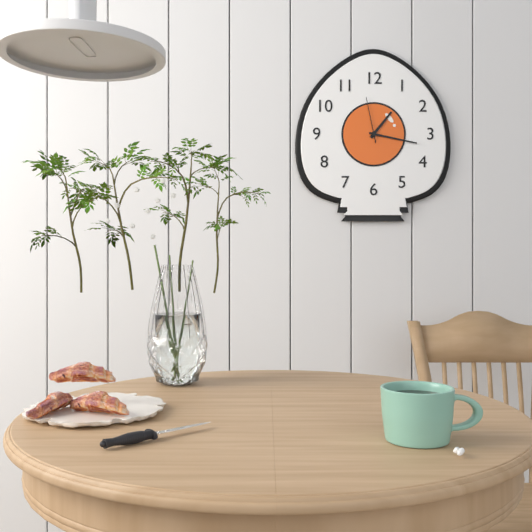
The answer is 1h17
